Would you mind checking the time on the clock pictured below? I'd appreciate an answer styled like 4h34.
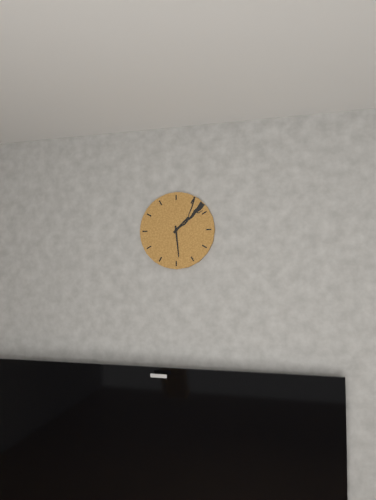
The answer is 1h29
